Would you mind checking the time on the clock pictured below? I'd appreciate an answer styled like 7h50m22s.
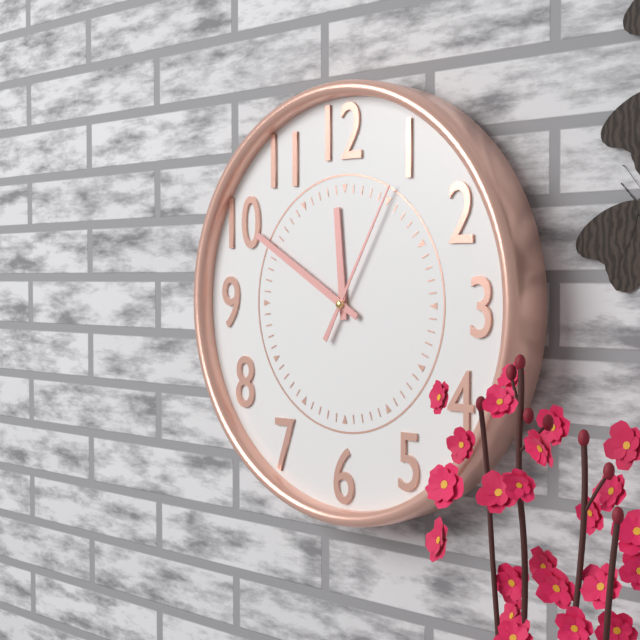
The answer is 11h50m05s
